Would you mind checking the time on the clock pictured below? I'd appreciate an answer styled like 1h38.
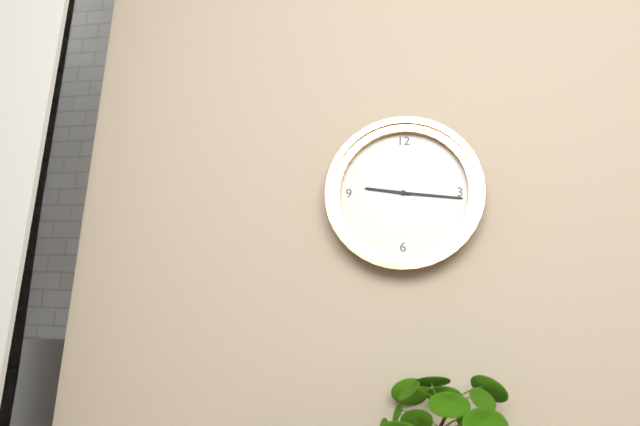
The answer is 9h16
